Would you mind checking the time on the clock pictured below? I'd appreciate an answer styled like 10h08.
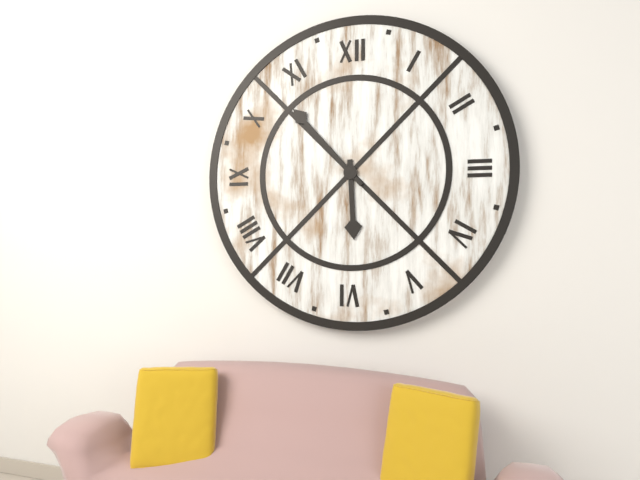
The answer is 5h53
